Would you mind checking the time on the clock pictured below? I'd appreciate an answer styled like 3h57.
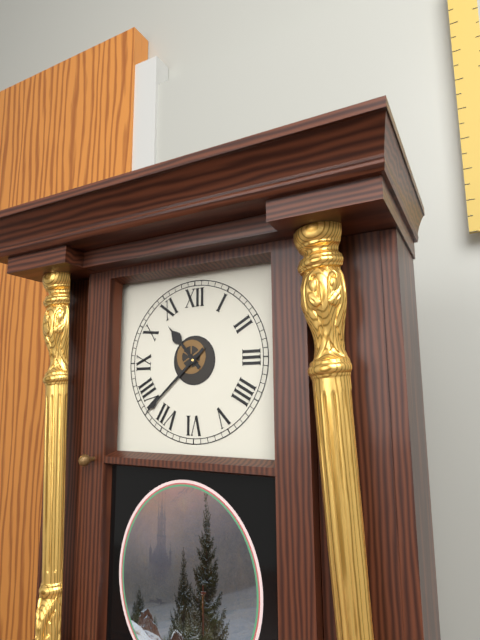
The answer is 10h38
